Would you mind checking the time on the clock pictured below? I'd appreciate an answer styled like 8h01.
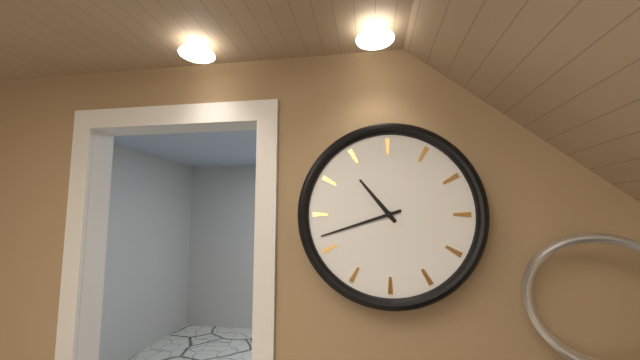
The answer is 10h42
